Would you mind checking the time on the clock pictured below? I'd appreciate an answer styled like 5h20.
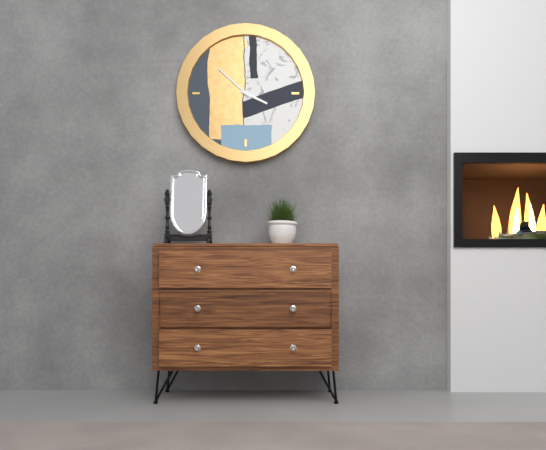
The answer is 3h52
